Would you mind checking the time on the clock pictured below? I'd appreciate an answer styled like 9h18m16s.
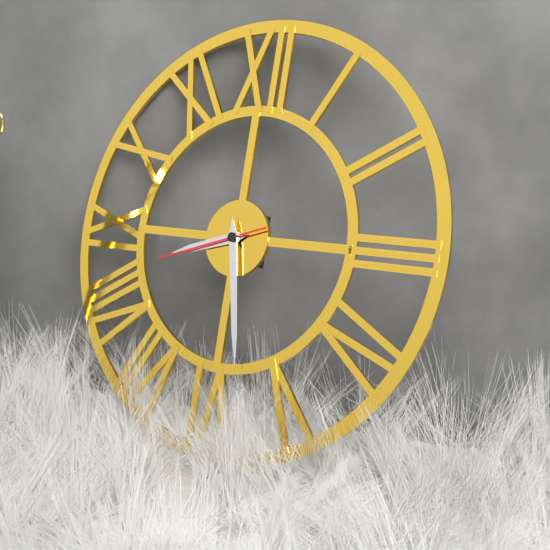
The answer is 8h28m42s
